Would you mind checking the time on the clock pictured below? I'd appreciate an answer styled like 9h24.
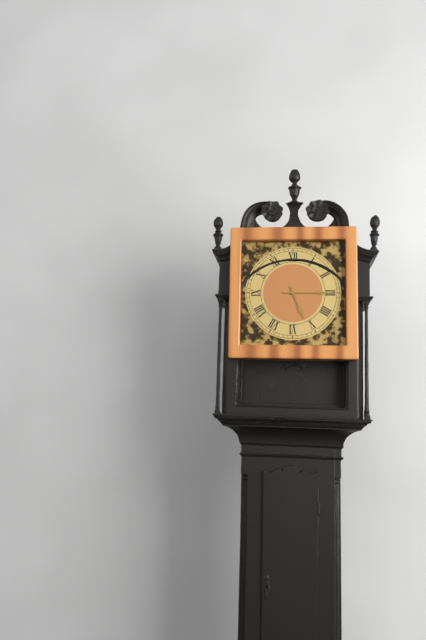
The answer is 5h15
